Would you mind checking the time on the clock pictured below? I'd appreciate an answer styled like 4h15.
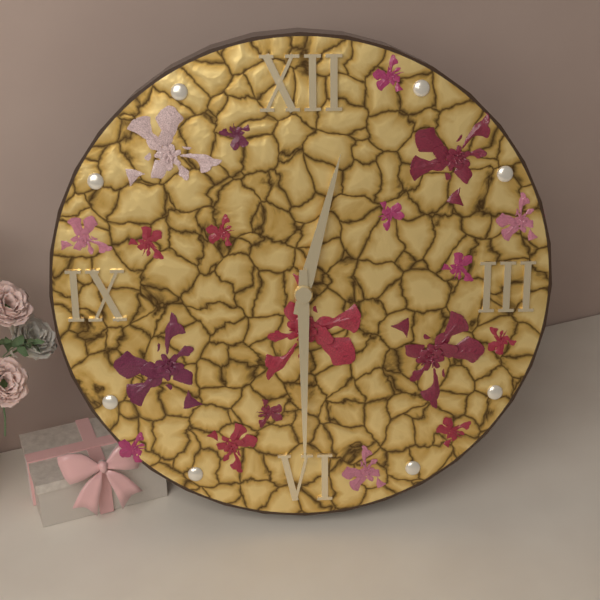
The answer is 12h30
